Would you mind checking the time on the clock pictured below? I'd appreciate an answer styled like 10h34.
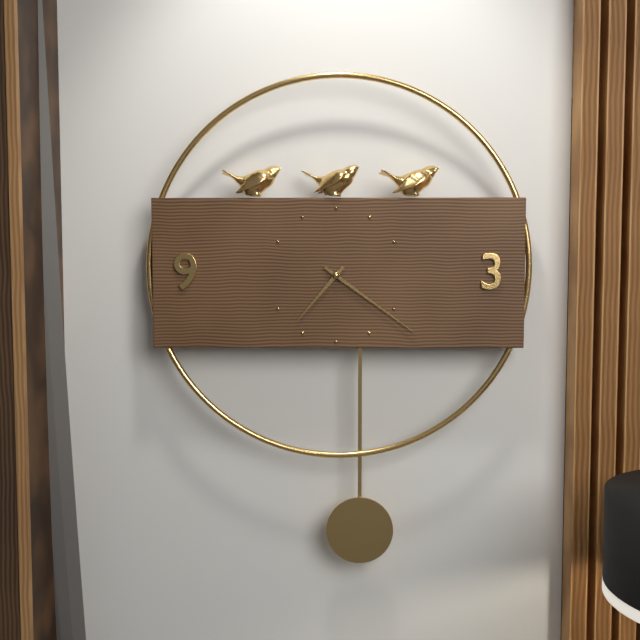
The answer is 7h21
